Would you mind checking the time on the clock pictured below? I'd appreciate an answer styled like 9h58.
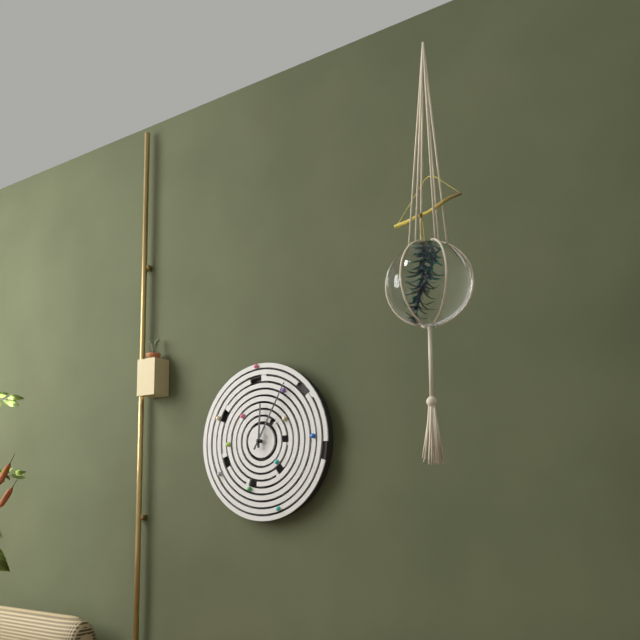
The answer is 12h05
